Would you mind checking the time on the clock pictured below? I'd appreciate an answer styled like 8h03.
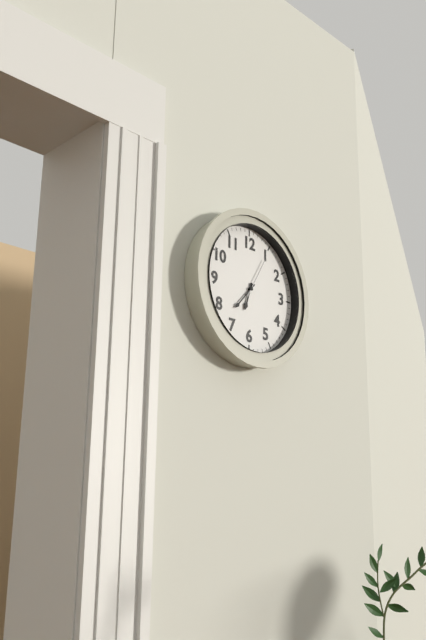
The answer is 6h37
